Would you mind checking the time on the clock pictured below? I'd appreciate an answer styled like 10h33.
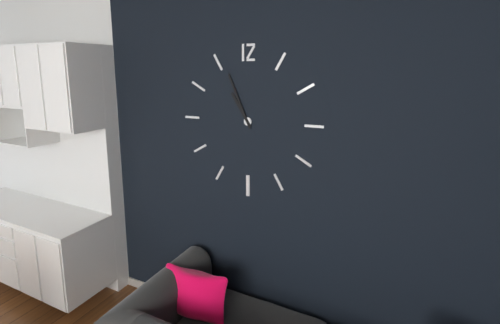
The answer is 10h56
